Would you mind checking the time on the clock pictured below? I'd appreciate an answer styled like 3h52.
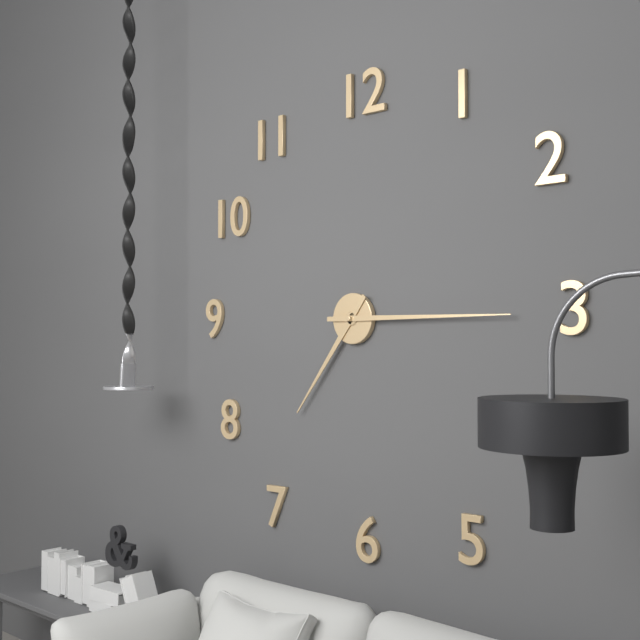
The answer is 7h15
